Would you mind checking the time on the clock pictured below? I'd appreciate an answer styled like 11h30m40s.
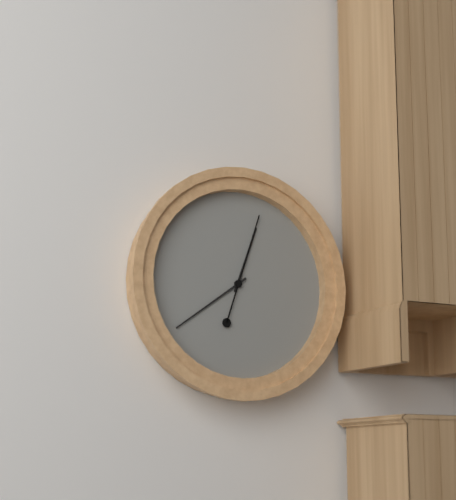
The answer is 12h39m03s
